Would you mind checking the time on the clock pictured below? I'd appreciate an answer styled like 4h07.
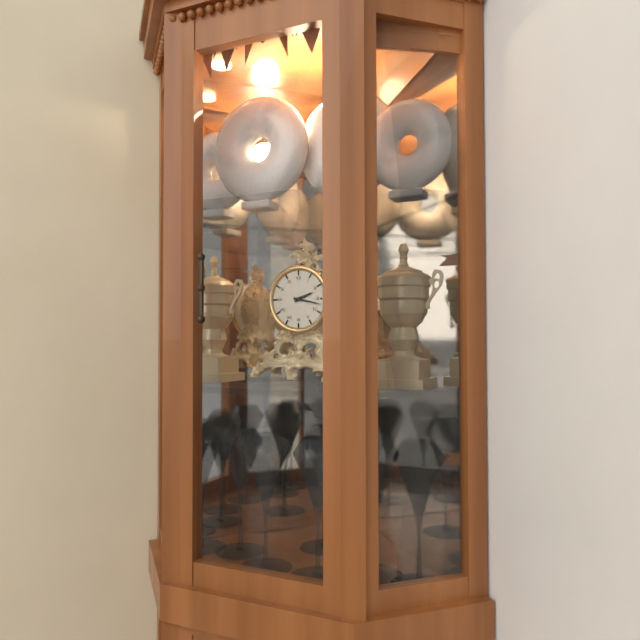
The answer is 2h17
